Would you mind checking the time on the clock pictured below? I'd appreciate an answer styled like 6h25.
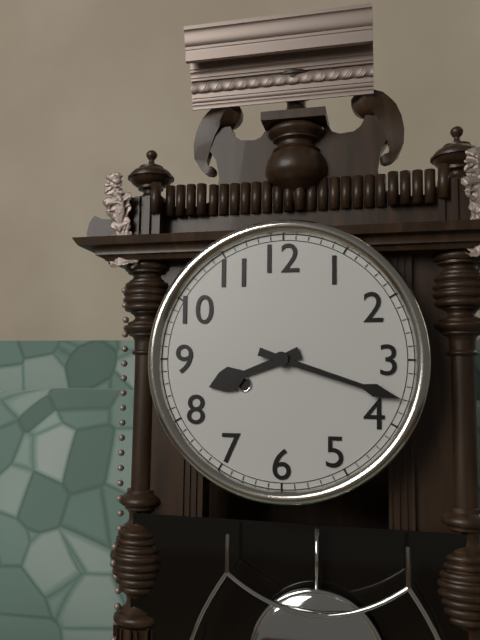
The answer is 8h18
